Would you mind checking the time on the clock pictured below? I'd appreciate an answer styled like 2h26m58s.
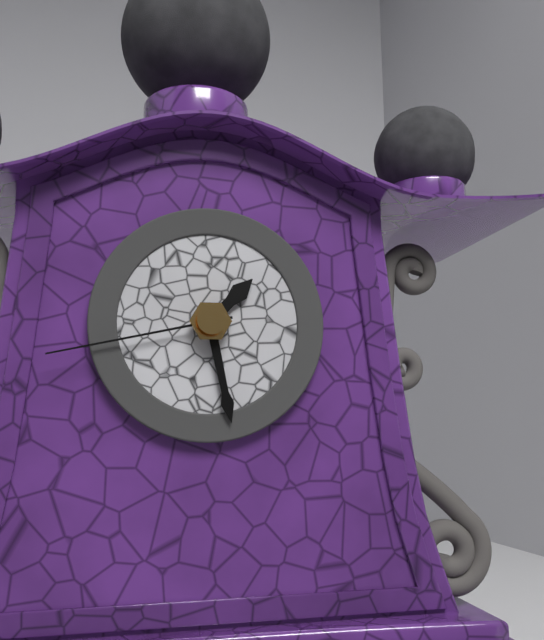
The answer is 1h28m43s
